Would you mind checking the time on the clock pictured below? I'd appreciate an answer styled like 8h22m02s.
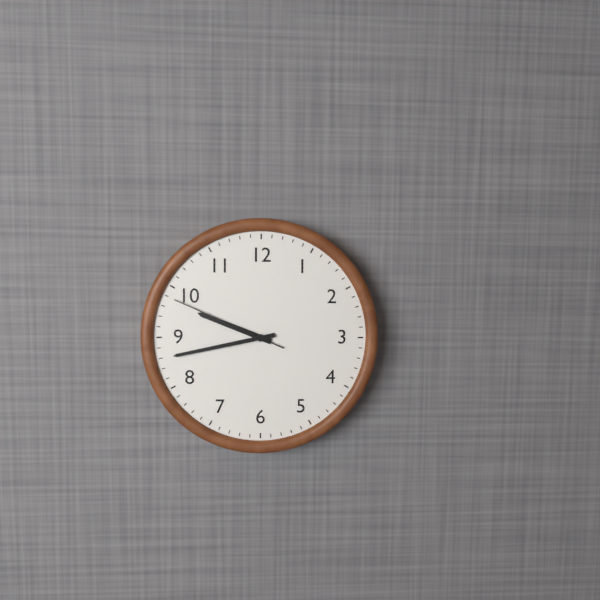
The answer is 9h43m49s
